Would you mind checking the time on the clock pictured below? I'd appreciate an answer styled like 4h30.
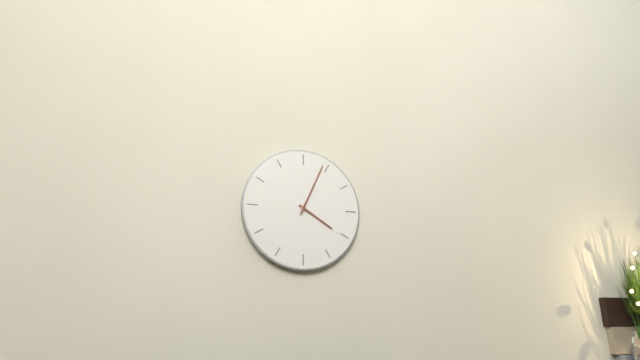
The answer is 4h04
